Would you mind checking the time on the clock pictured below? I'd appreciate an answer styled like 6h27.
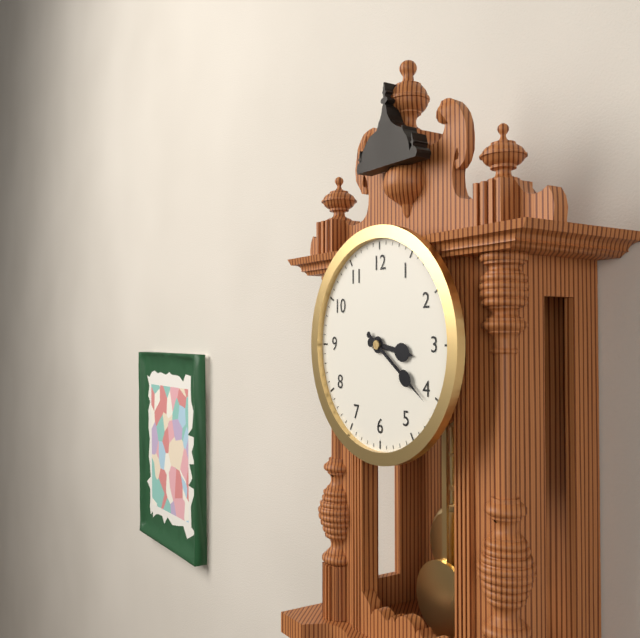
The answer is 3h21
